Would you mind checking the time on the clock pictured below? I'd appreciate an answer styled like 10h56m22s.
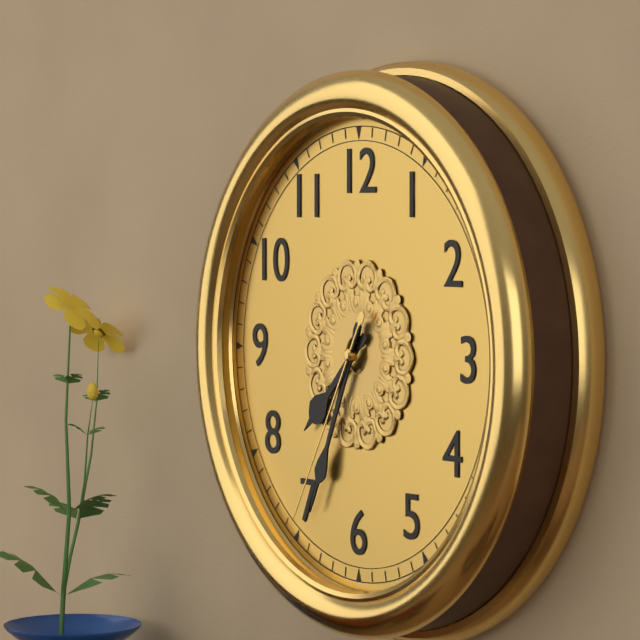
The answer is 7h34m35s
